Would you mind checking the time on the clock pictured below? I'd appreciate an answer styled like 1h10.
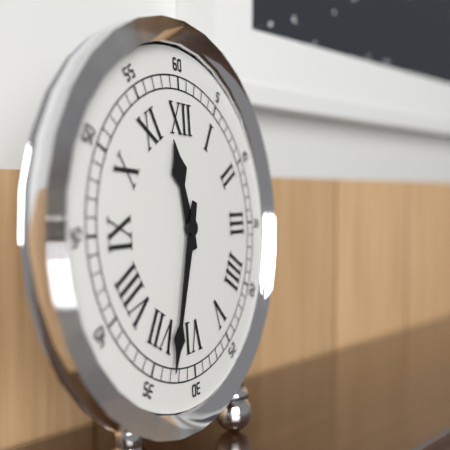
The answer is 11h33
